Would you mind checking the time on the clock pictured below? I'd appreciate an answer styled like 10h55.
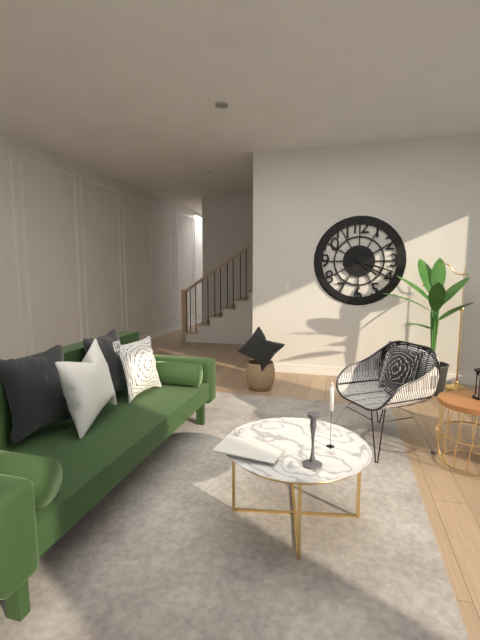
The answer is 4h18
